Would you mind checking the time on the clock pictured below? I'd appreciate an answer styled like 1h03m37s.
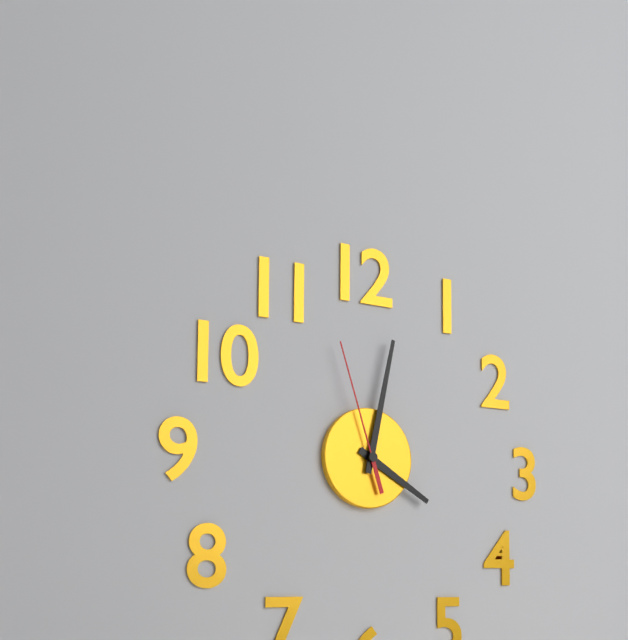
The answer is 4h02m57s
